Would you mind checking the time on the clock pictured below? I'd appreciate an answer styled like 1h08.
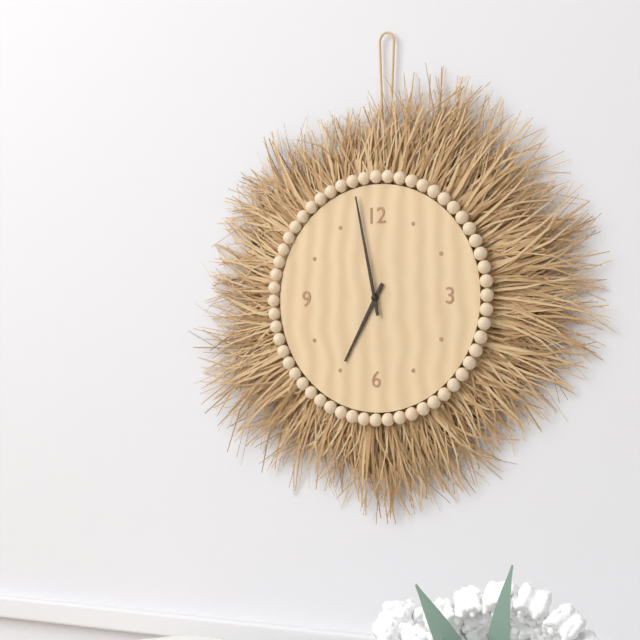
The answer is 6h58
